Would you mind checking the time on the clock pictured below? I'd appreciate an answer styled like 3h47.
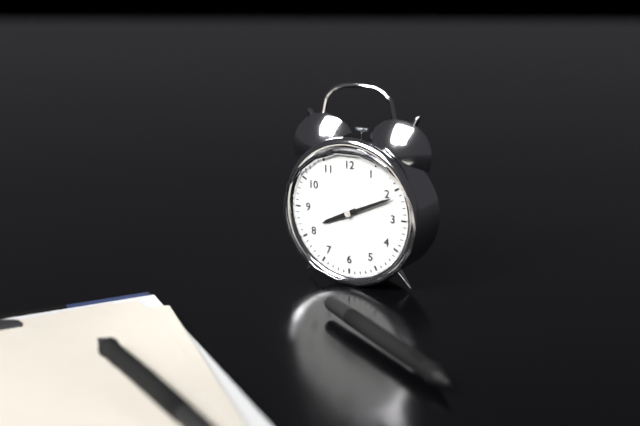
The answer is 8h11
